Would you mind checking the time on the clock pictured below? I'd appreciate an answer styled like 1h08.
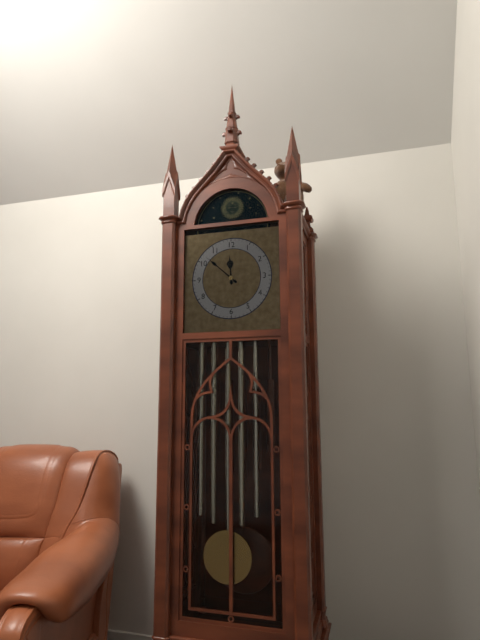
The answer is 11h52
